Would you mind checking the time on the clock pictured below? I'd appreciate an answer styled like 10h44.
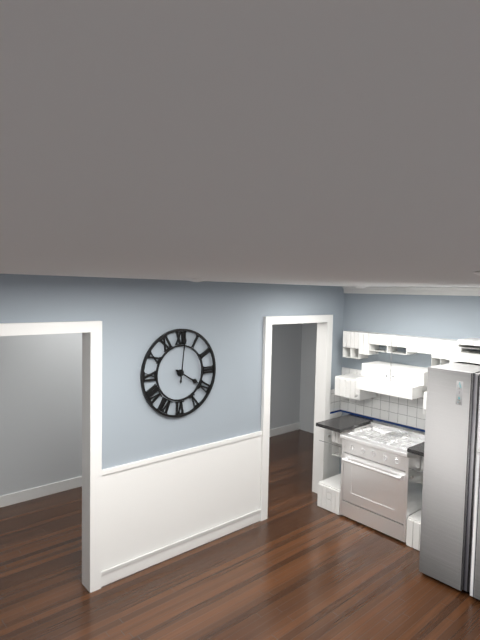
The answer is 4h01
